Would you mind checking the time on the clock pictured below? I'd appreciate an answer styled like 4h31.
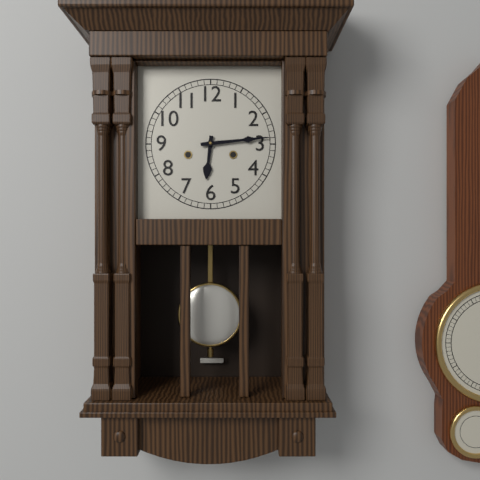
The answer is 6h14
